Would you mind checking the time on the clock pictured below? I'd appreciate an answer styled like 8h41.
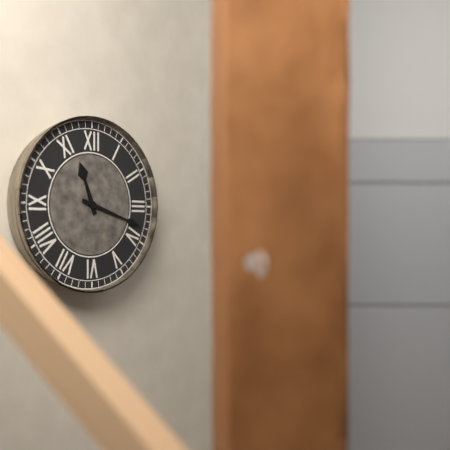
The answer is 11h18
